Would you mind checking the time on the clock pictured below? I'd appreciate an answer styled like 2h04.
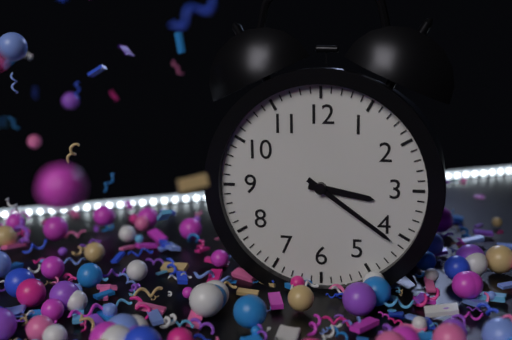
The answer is 3h21
